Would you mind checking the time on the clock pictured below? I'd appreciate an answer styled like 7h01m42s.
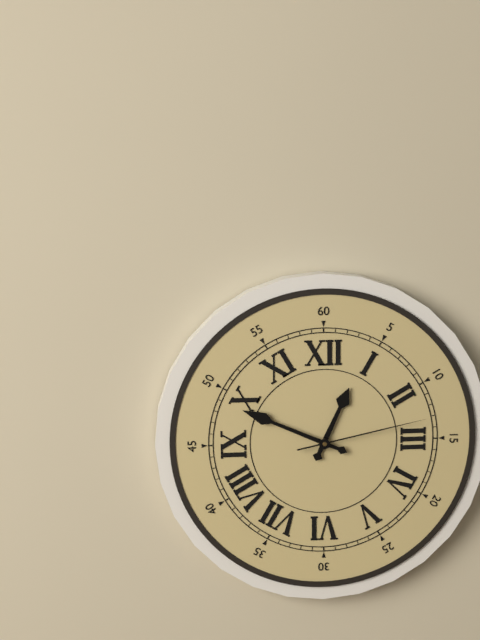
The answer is 12h49m13s
